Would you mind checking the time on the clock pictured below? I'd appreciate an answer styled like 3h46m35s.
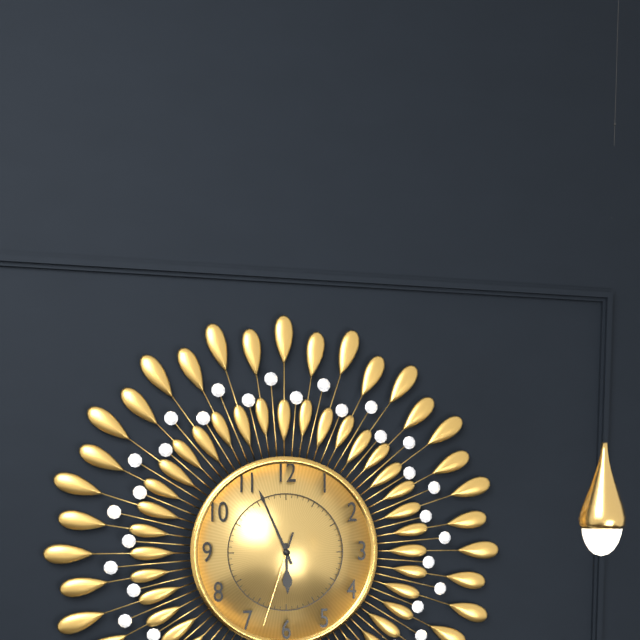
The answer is 5h56m33s
